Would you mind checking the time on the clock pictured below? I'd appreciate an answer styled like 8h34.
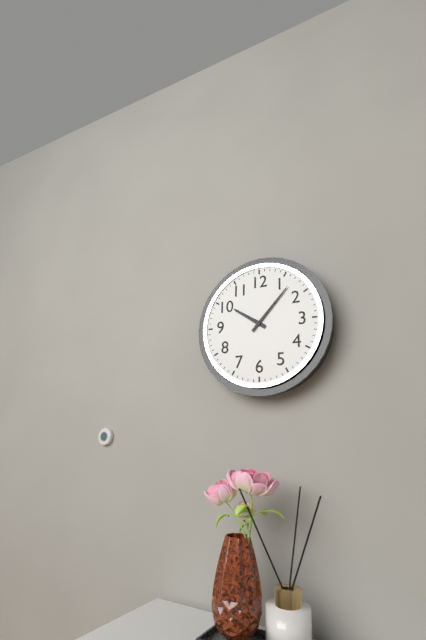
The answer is 10h07
